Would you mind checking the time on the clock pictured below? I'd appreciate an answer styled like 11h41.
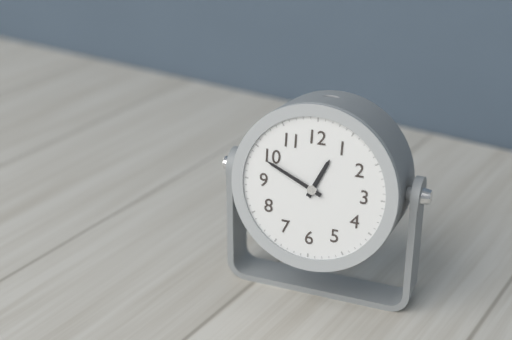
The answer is 12h49
